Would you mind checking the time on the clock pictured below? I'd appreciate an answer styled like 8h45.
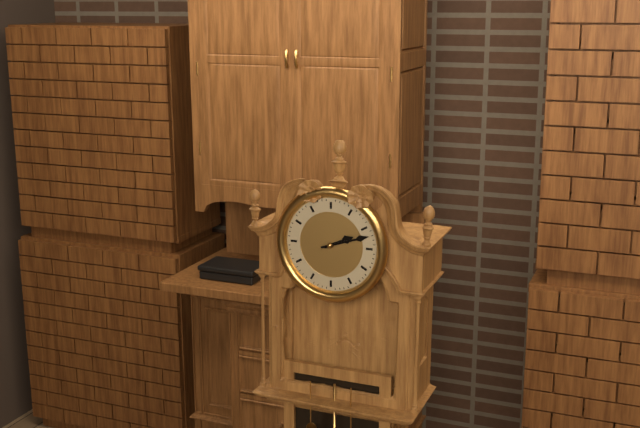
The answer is 2h12
